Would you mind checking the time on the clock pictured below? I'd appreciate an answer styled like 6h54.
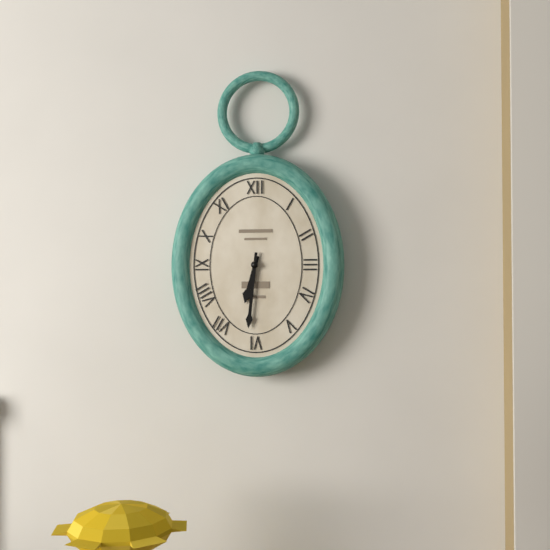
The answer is 6h31
